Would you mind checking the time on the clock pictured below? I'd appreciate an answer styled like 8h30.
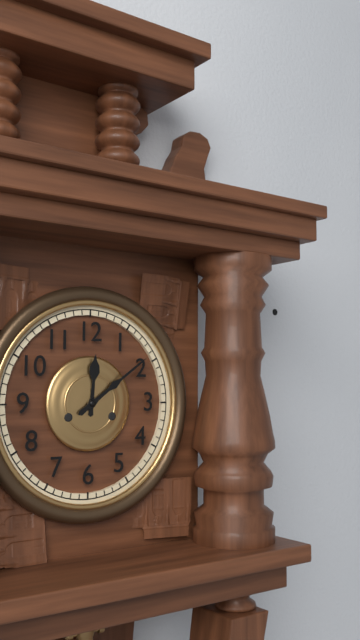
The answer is 12h09
